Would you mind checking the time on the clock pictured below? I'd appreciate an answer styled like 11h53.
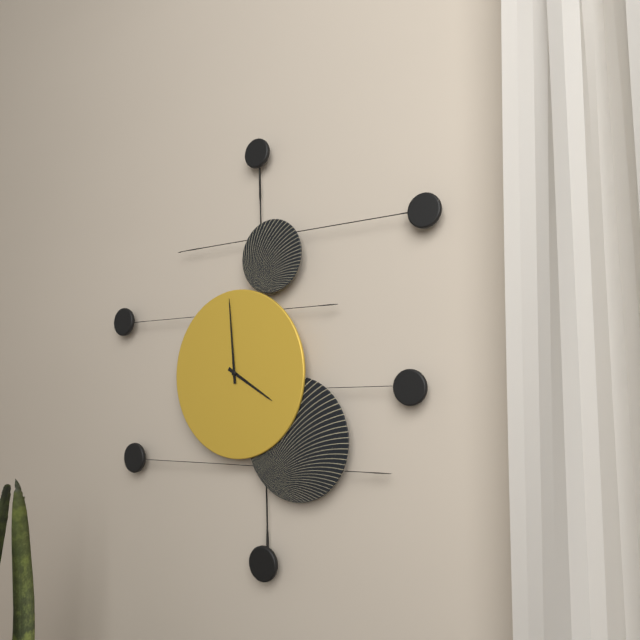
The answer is 3h59
